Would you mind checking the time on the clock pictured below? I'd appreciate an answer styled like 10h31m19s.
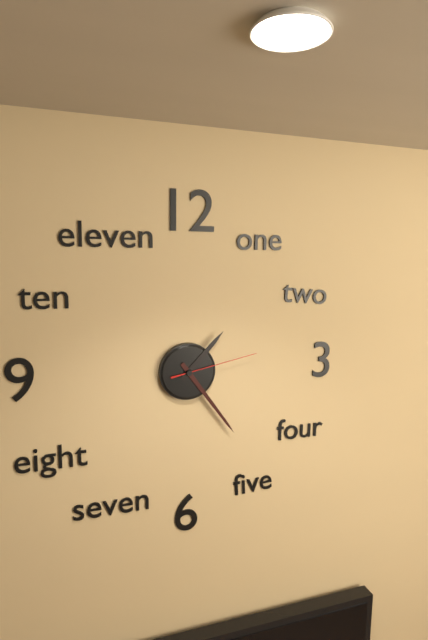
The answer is 1h24m13s
